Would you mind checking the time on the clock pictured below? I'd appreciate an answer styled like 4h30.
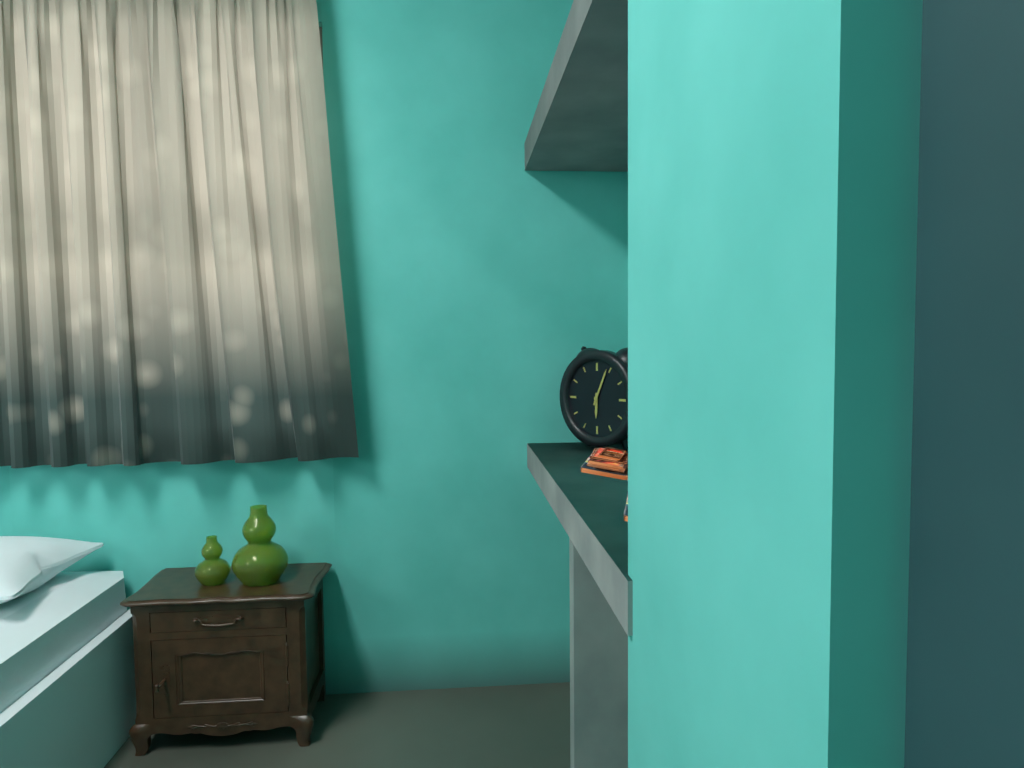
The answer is 6h04
